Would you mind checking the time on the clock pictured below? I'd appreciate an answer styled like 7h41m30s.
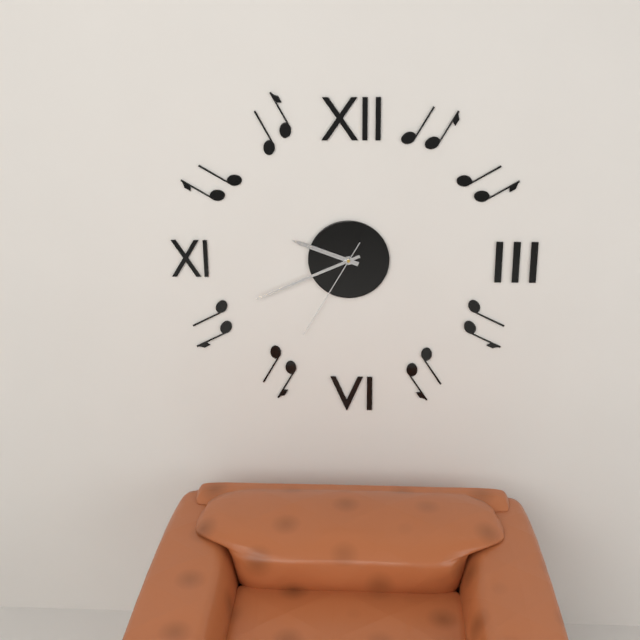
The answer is 9h41m35s
